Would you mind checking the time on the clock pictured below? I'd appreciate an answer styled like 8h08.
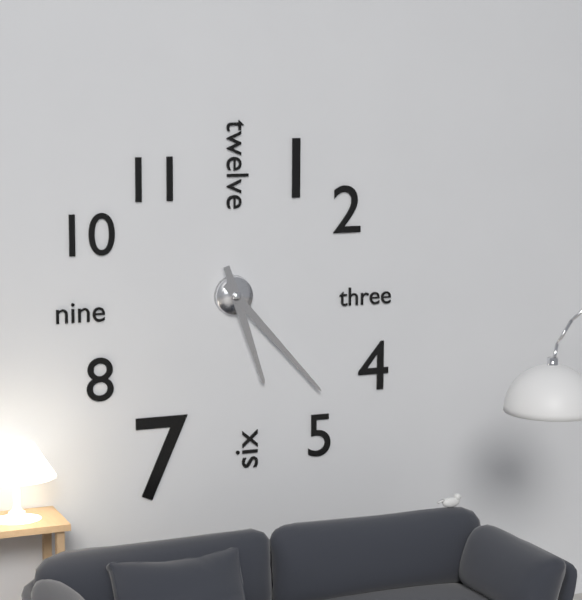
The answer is 5h23
